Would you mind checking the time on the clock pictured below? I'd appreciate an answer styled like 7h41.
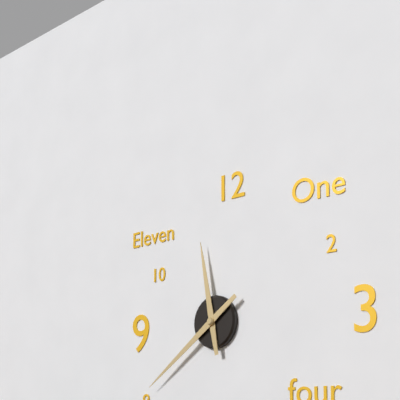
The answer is 11h39
